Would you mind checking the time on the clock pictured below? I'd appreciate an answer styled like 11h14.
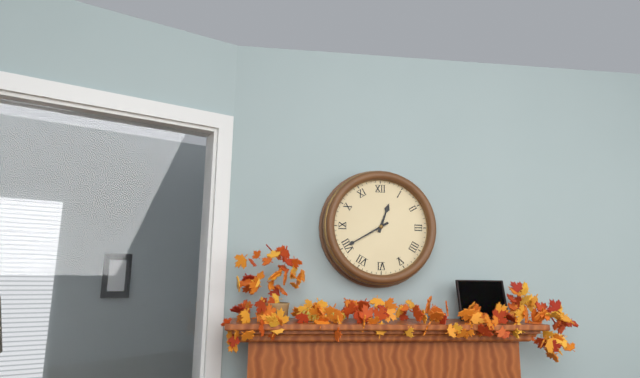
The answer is 12h40
